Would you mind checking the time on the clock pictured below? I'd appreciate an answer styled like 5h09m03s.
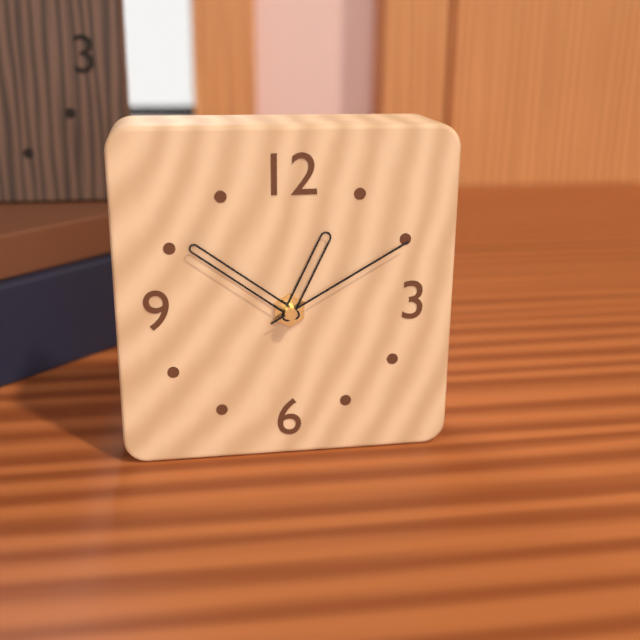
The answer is 12h51m10s
